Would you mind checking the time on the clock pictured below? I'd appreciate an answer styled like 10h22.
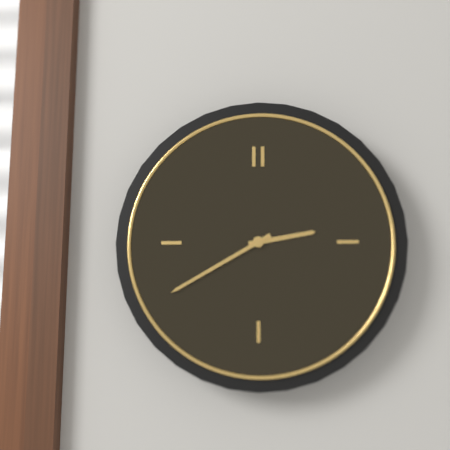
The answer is 2h40
